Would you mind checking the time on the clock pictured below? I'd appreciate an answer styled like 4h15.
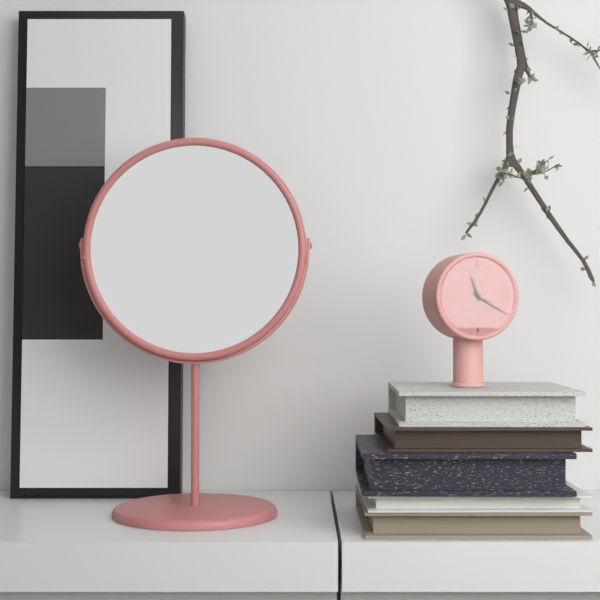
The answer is 11h20
